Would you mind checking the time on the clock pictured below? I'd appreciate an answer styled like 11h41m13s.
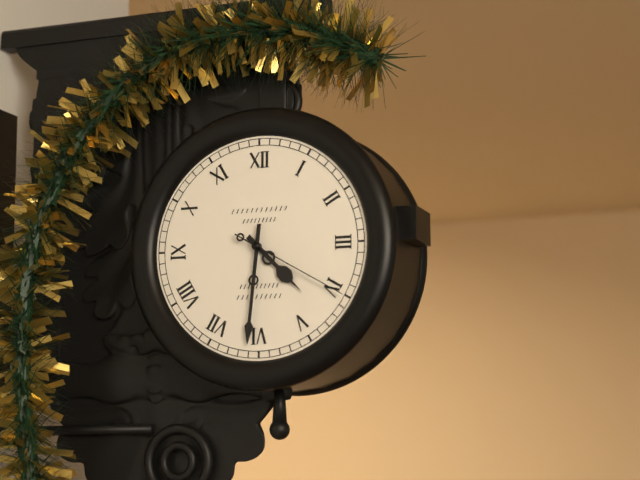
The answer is 4h31m20s
